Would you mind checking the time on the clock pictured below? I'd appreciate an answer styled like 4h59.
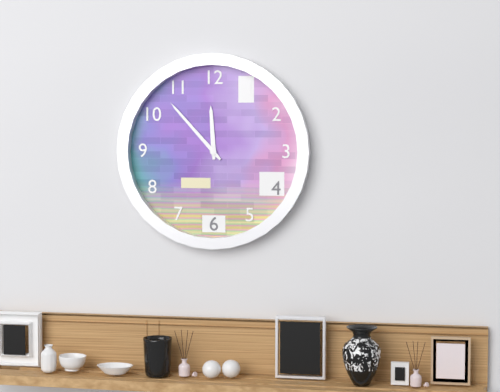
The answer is 11h53
